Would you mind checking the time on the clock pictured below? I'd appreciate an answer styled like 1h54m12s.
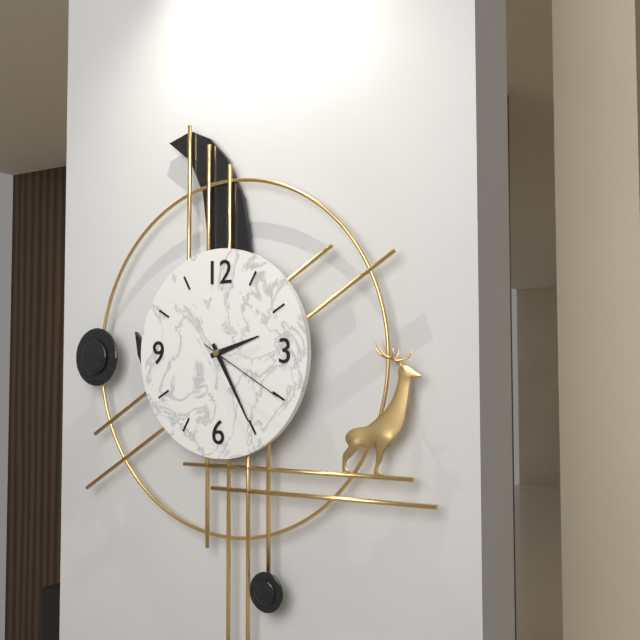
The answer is 2h25m20s
